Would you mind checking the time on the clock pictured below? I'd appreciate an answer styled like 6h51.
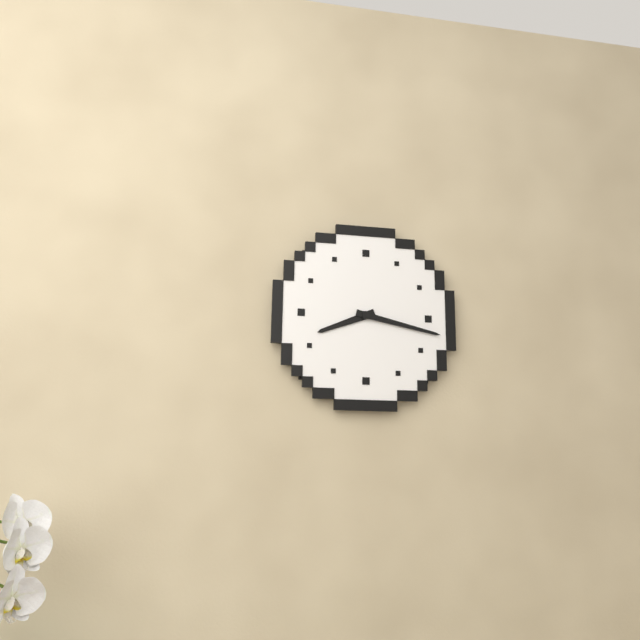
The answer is 8h17
